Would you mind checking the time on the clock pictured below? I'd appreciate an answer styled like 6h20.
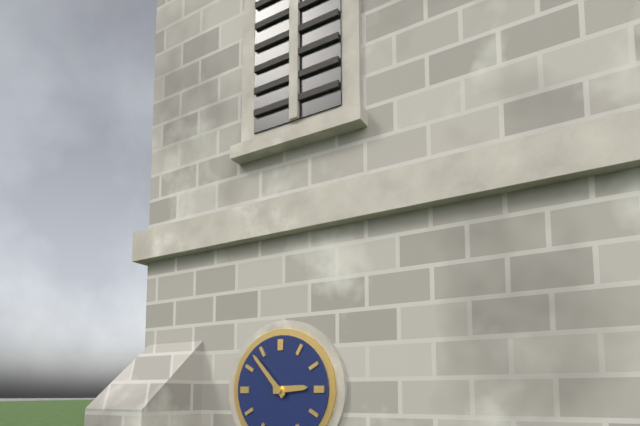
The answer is 2h53
